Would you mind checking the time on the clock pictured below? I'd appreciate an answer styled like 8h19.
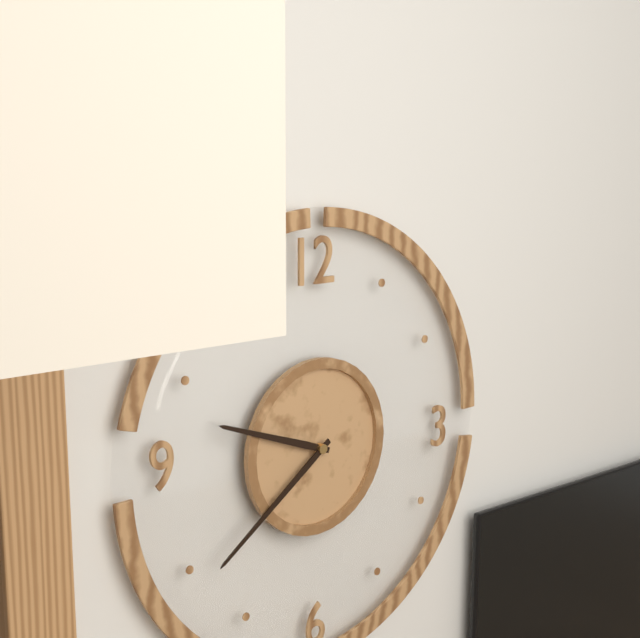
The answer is 9h39
